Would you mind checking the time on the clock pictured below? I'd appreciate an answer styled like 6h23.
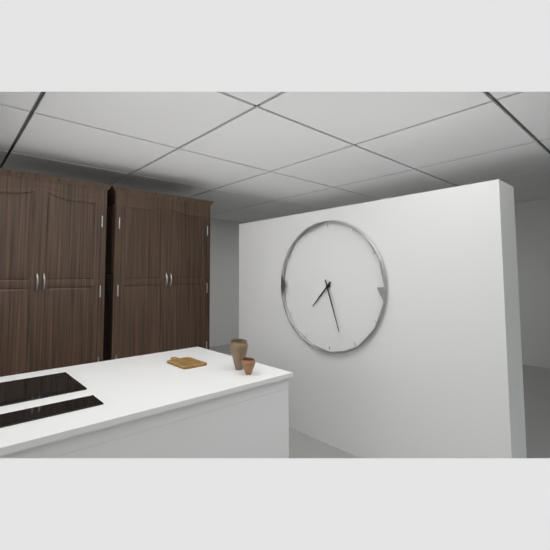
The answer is 7h27
